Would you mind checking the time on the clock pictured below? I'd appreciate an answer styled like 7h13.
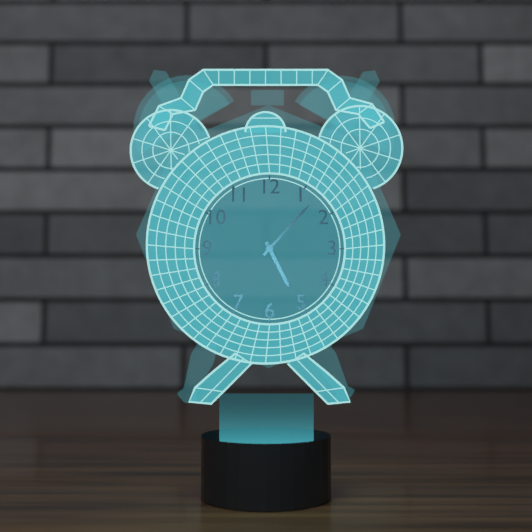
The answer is 5h07
